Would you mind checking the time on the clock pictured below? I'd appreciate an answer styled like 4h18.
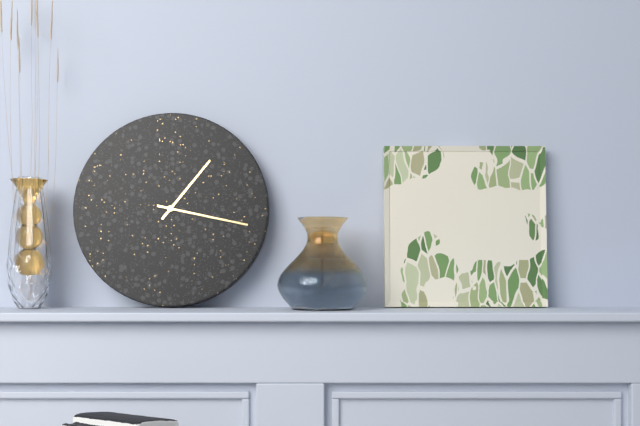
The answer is 1h17
